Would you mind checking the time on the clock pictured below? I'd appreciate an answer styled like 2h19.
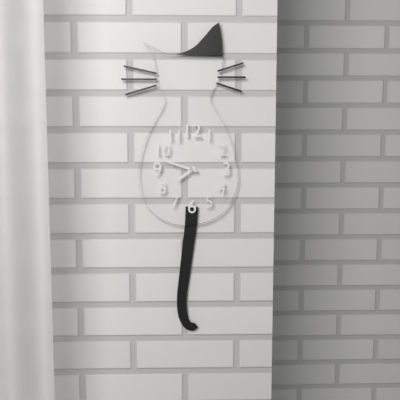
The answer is 7h48
